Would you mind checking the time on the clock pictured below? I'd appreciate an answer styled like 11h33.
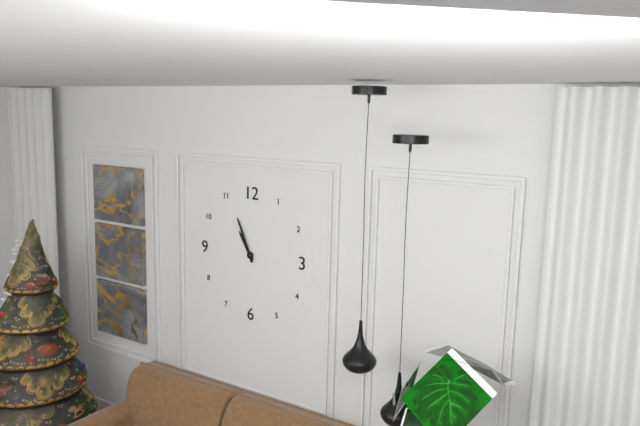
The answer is 10h56
